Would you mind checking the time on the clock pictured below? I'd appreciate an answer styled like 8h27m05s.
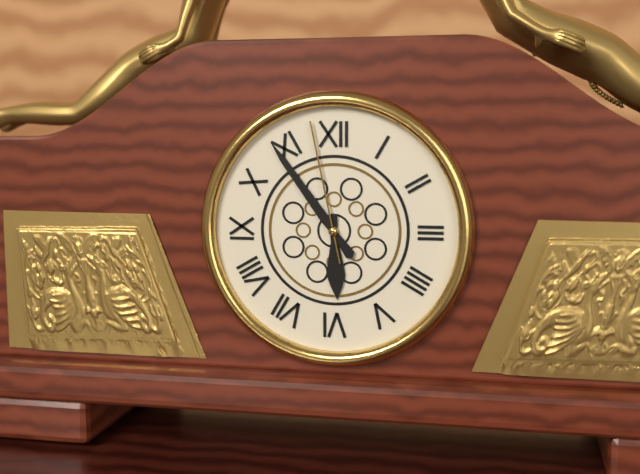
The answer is 5h54m58s
